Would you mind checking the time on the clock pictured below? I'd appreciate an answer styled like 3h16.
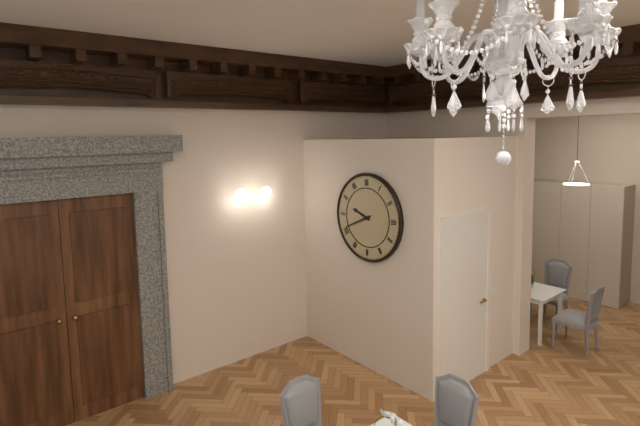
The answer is 9h41
